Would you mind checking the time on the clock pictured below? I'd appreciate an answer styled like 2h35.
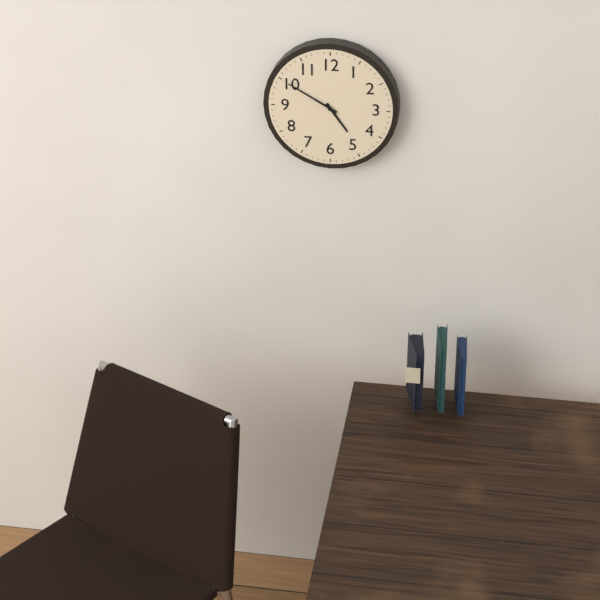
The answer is 4h50
